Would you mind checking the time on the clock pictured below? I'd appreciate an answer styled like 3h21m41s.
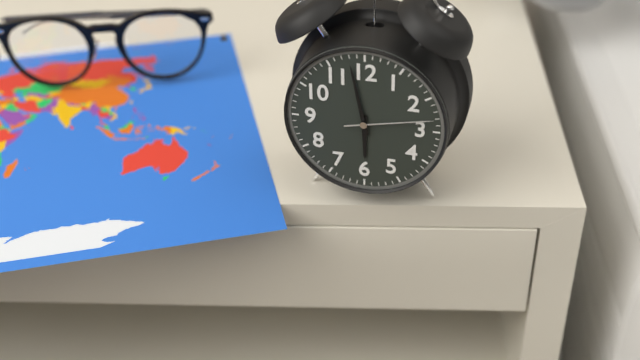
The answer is 5h58m13s
